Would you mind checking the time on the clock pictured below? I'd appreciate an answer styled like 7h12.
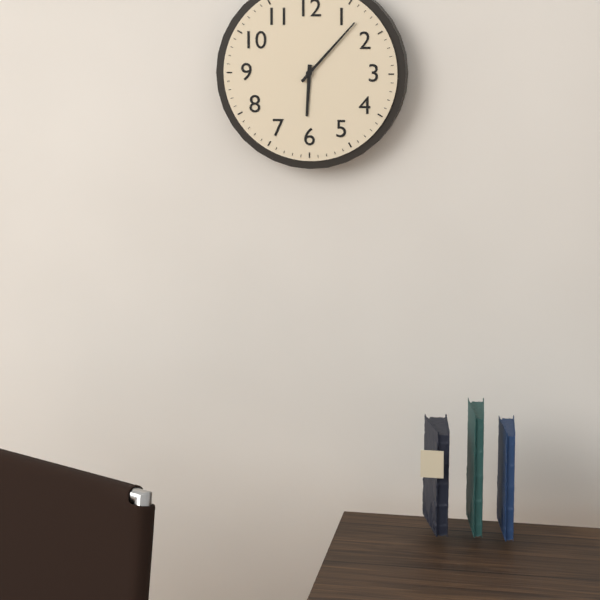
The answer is 6h07
